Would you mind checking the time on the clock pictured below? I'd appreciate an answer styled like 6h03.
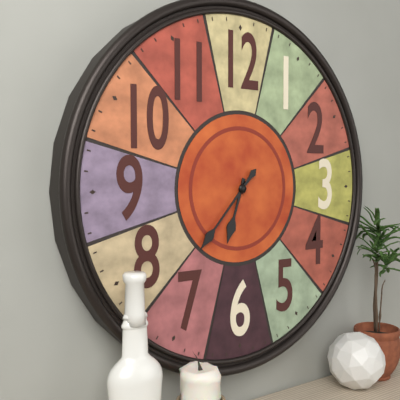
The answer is 6h37
